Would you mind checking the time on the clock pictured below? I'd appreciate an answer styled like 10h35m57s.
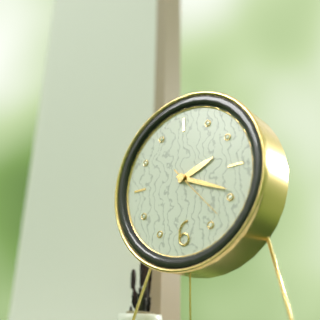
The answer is 2h19m23s
